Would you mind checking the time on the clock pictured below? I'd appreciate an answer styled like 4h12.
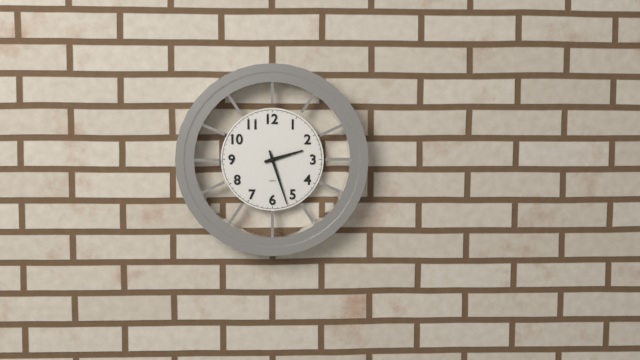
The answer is 2h27
